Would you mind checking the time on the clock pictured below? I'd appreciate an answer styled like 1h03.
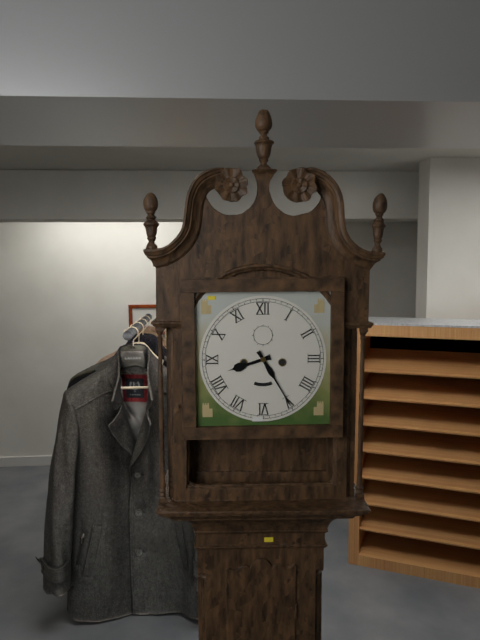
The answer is 8h25
